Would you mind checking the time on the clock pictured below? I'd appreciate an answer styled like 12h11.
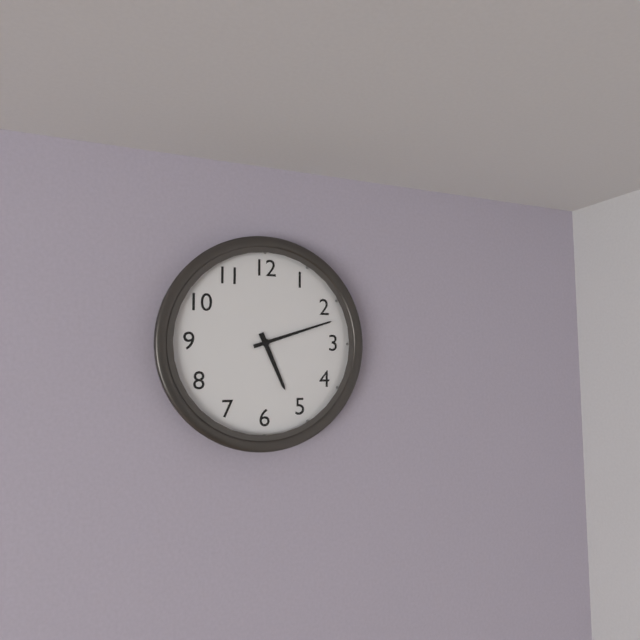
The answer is 5h12
